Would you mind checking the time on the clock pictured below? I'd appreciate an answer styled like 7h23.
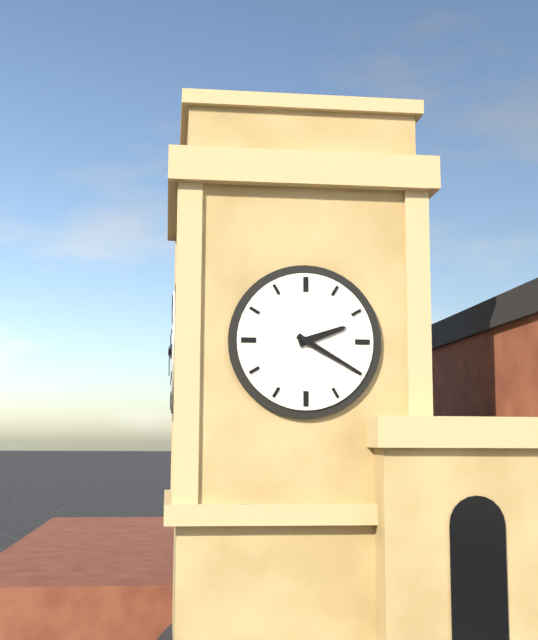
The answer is 2h20
